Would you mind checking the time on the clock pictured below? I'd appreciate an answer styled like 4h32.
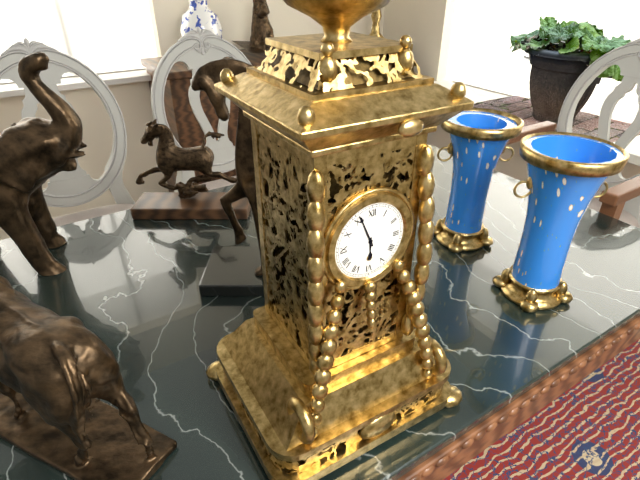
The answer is 5h56
